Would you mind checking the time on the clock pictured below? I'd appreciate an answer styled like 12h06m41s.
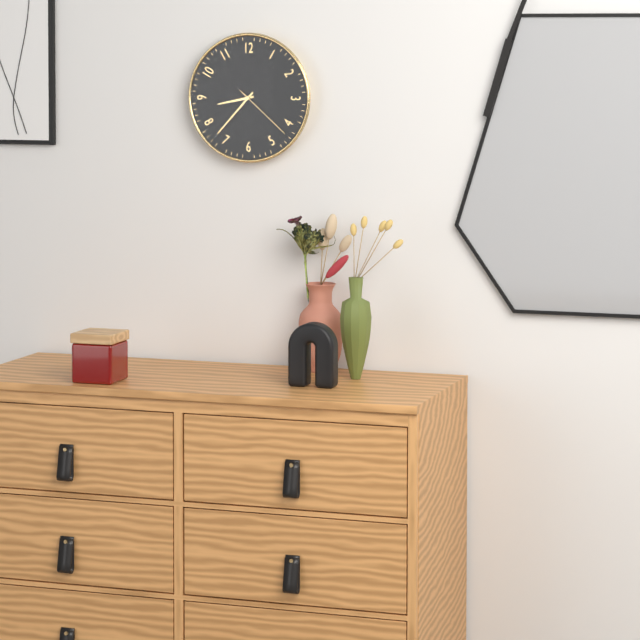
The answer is 8h37m22s
